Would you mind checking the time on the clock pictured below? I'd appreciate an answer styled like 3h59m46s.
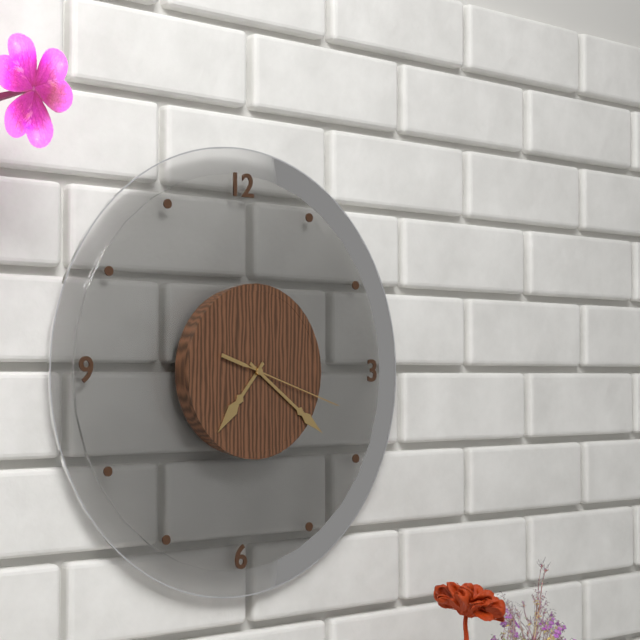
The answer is 7h21m18s
